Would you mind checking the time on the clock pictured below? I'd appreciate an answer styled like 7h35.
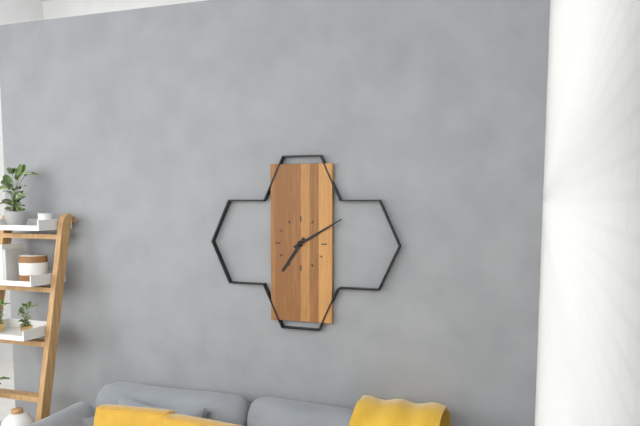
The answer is 7h10
